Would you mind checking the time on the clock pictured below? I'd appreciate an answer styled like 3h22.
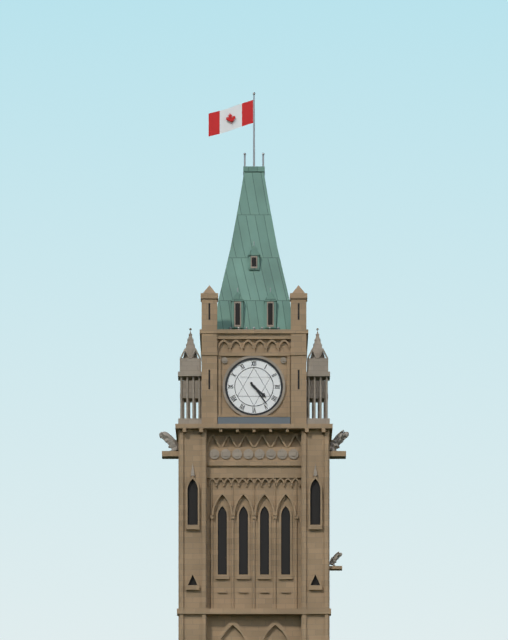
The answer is 4h24
